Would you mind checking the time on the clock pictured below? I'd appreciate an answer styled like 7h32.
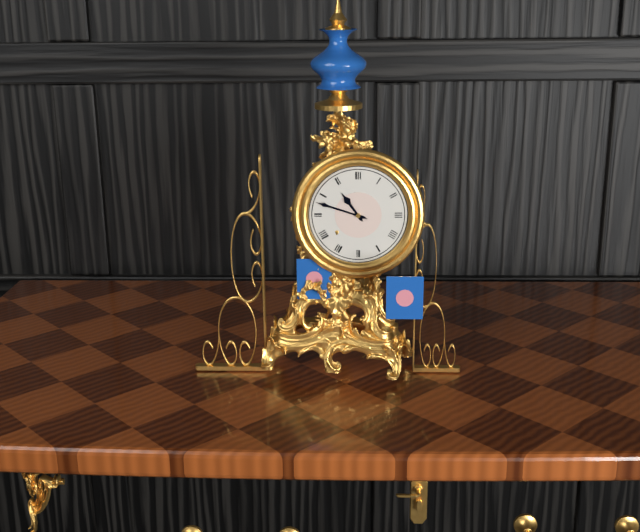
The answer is 10h48
